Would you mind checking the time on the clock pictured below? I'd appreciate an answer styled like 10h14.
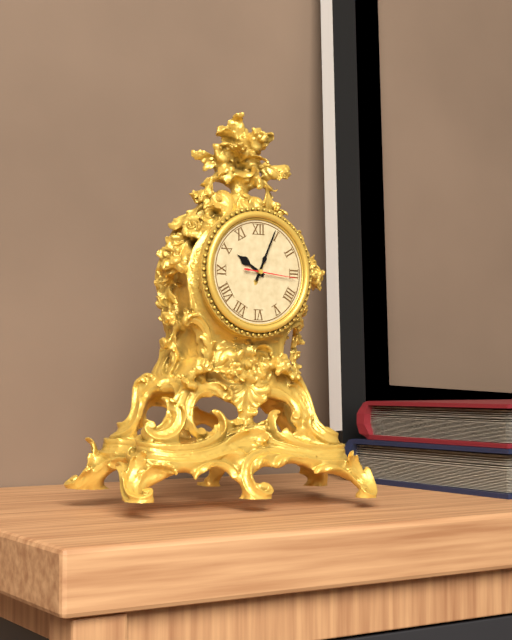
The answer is 10h04
